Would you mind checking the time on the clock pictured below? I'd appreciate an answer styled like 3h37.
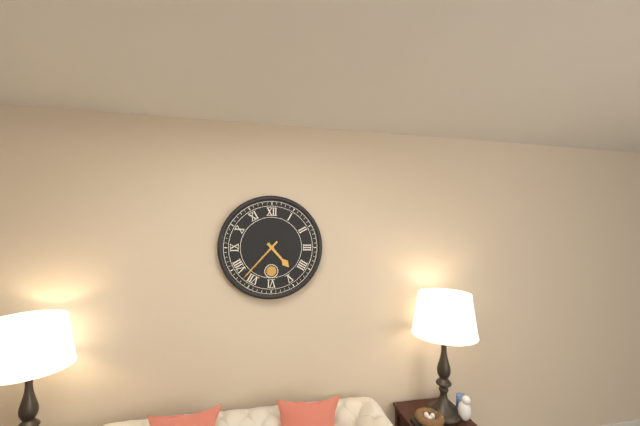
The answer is 4h37
